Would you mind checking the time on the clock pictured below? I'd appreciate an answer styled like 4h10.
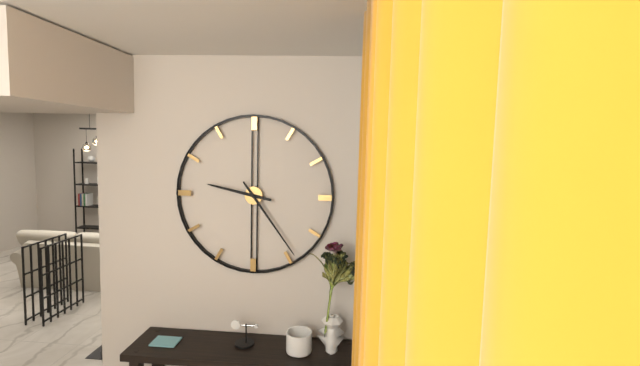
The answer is 9h24
